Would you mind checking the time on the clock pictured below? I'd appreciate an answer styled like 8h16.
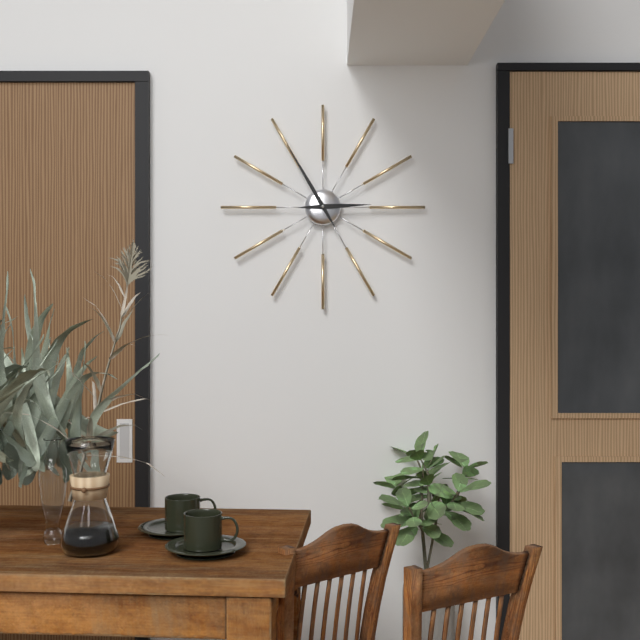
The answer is 2h55
